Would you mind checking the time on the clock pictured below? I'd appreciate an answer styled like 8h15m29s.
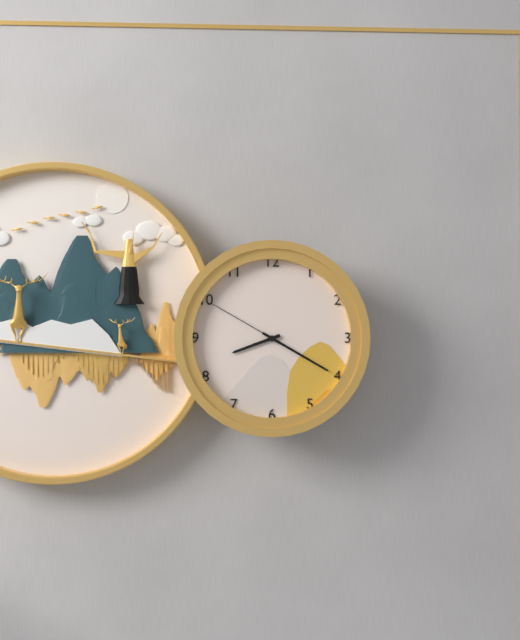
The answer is 8h20m50s
